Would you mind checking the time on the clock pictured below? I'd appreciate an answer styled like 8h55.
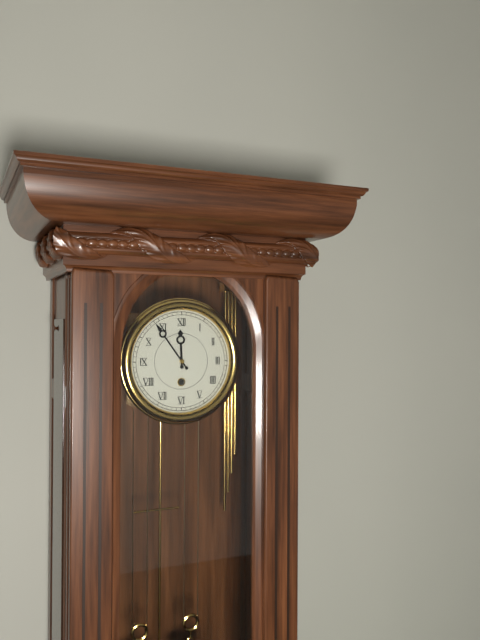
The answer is 11h54
